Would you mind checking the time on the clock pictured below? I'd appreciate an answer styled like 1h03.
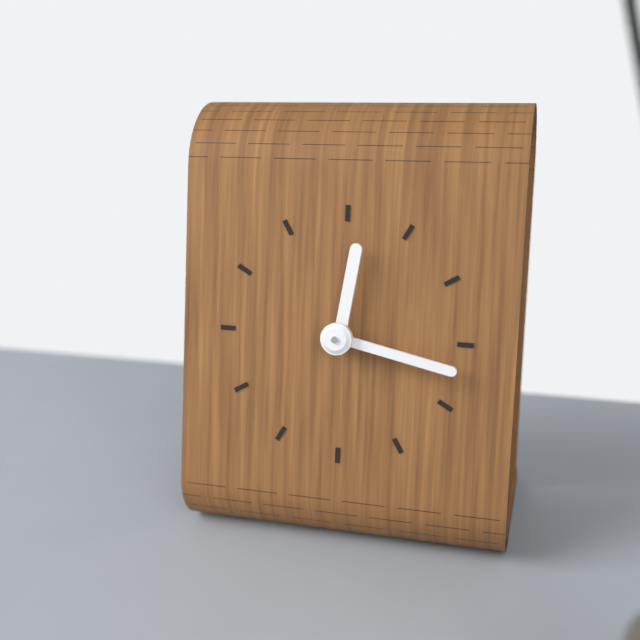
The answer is 12h17
